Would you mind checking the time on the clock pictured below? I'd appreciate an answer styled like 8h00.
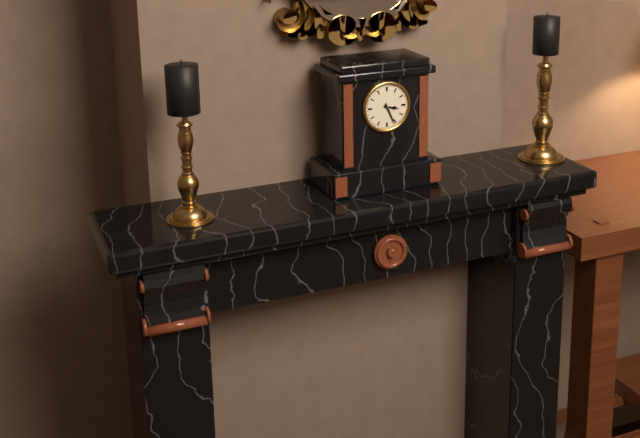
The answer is 3h26
